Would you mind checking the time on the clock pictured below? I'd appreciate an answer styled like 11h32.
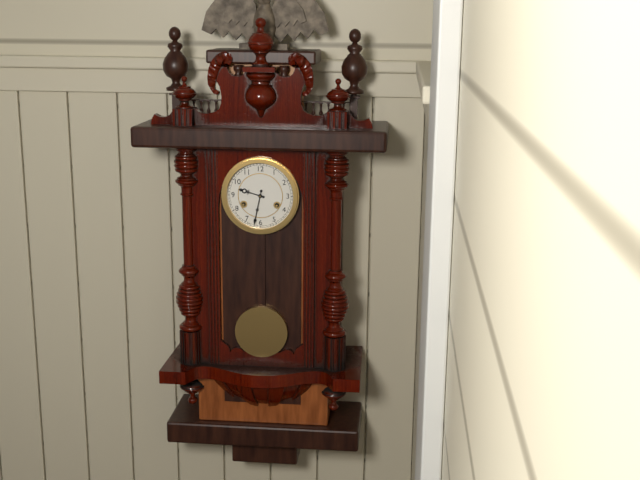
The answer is 9h32
